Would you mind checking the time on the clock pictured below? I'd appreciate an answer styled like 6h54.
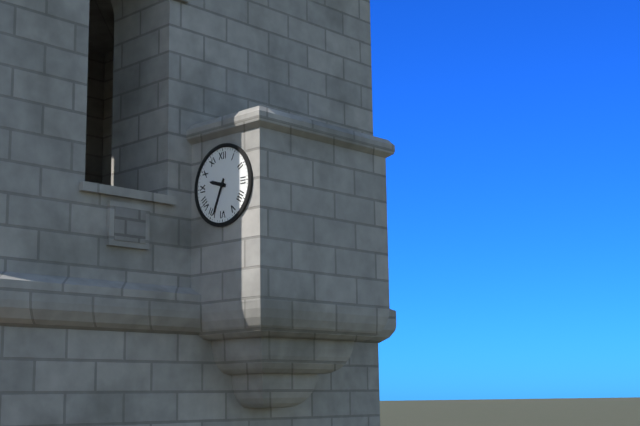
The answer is 9h34
